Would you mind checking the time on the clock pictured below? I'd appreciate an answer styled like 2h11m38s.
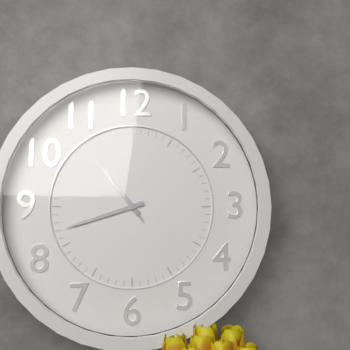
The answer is 10h42m54s
